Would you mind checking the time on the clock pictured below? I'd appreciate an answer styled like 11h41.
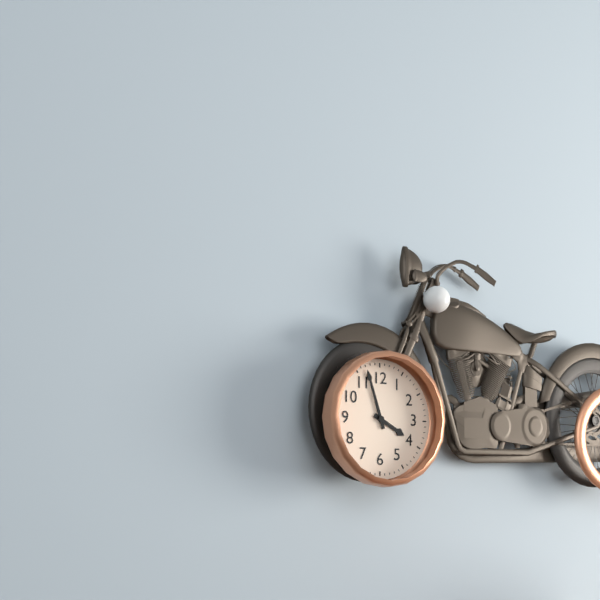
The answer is 3h57
